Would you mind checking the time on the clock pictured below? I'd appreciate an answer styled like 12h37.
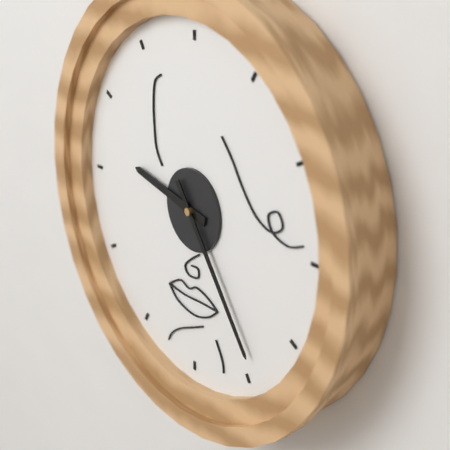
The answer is 9h24
